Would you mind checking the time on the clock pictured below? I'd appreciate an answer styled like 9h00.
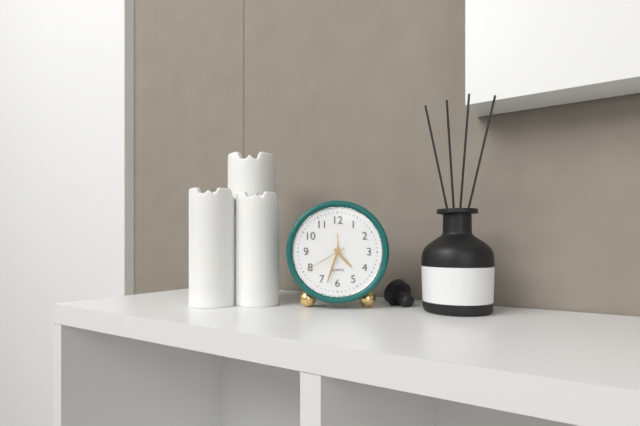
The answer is 4h33
